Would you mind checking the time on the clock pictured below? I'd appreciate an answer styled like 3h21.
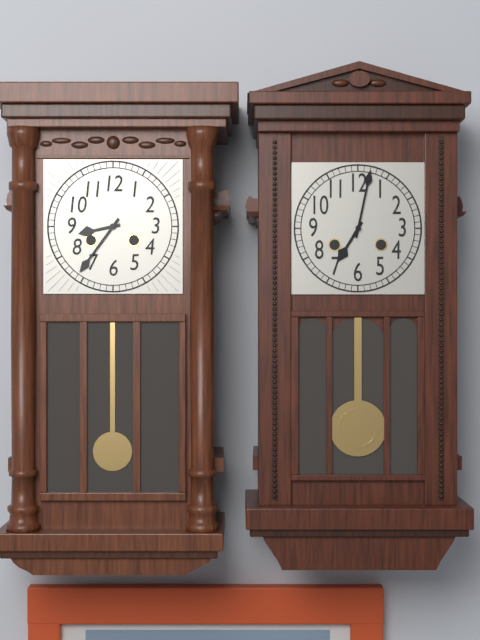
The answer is 8h36
